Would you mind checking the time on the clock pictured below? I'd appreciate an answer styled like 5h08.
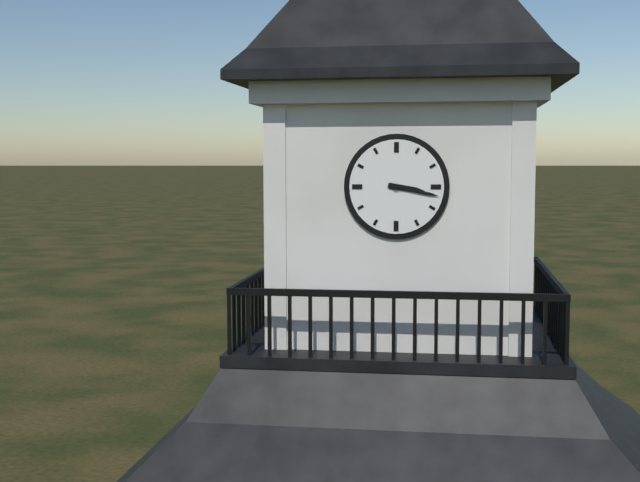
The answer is 3h17
